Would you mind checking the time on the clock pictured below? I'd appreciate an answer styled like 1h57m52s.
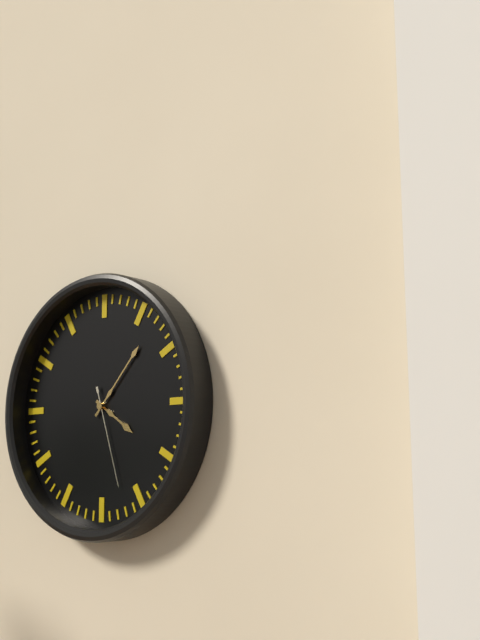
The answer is 4h07m27s
